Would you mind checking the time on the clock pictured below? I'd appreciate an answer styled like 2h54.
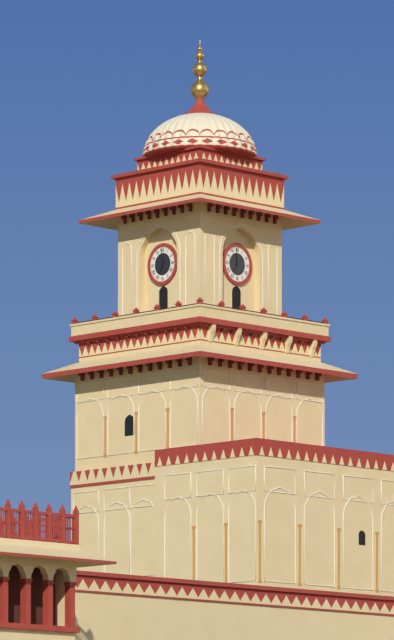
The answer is 6h59
